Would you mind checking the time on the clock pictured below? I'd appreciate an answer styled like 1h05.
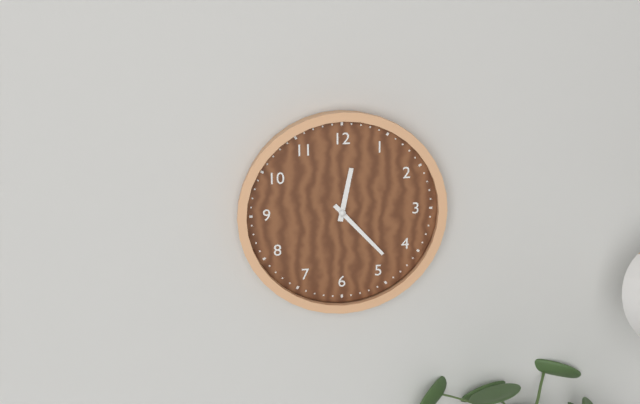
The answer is 12h23
